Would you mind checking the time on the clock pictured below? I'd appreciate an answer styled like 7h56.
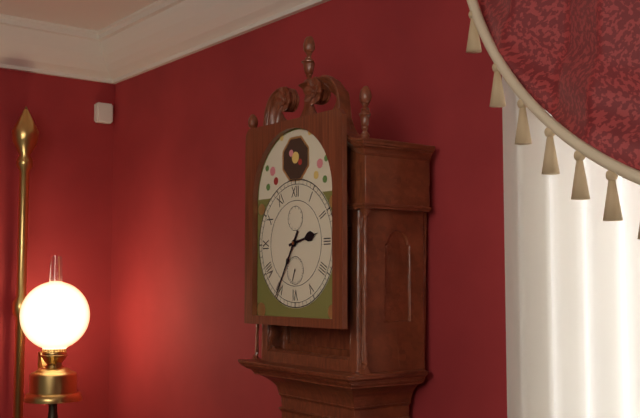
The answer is 2h35
